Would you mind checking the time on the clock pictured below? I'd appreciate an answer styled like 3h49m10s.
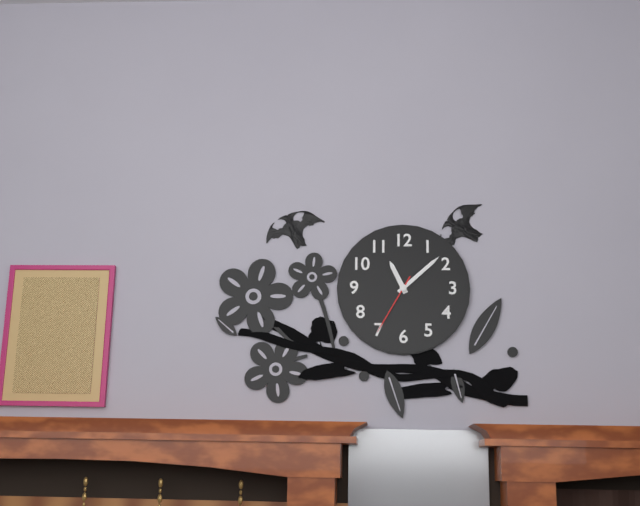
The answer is 11h08m35s
